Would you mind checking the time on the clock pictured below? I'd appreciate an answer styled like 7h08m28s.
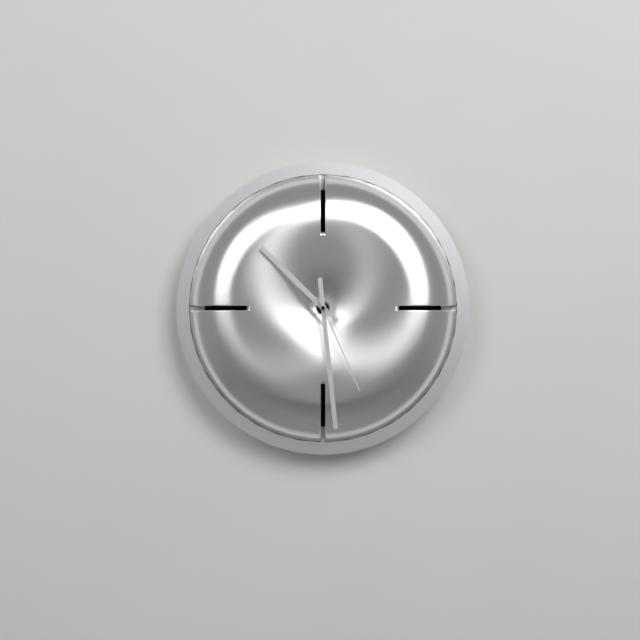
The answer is 10h29m26s
